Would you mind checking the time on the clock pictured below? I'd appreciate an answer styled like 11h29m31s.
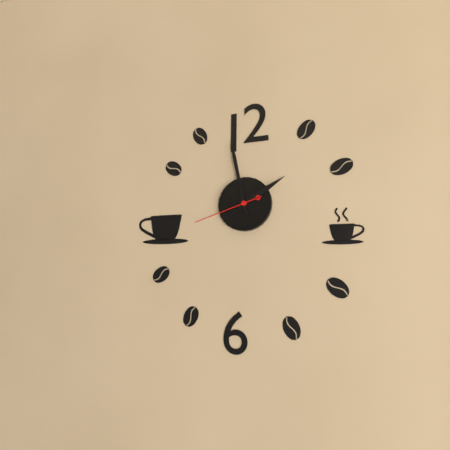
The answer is 1h58m42s
